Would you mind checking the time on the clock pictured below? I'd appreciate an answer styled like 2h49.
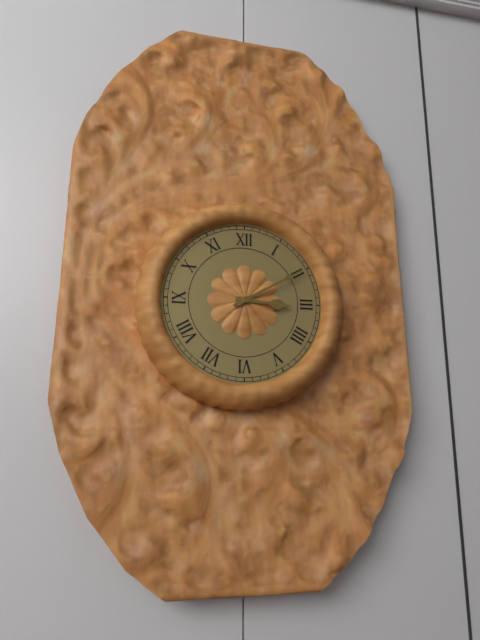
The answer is 3h10
